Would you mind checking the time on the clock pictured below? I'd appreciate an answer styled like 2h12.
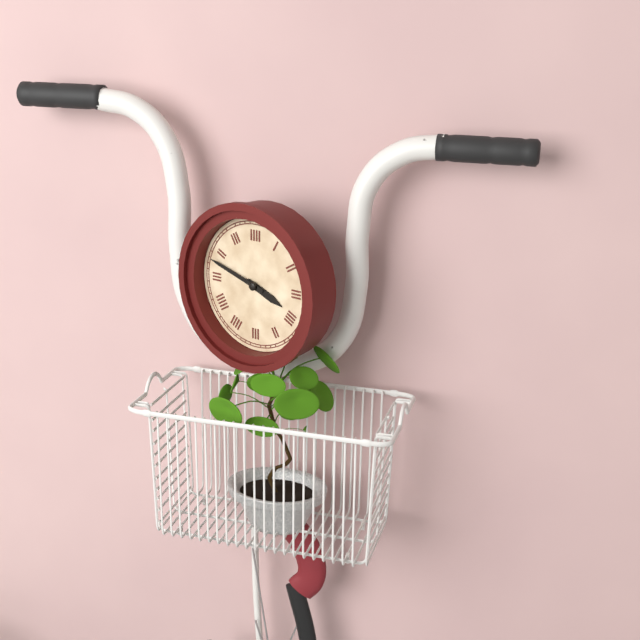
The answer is 3h48
